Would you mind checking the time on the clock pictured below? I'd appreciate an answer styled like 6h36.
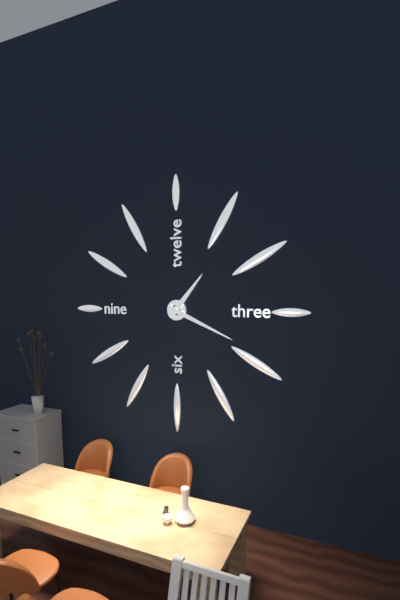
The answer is 1h19
